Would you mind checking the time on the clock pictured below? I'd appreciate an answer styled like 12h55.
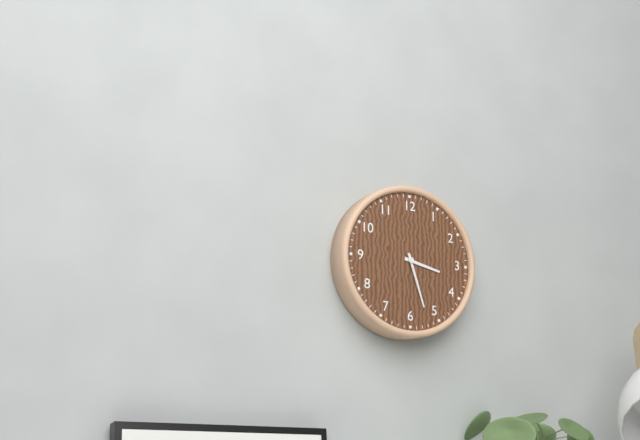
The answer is 3h27
